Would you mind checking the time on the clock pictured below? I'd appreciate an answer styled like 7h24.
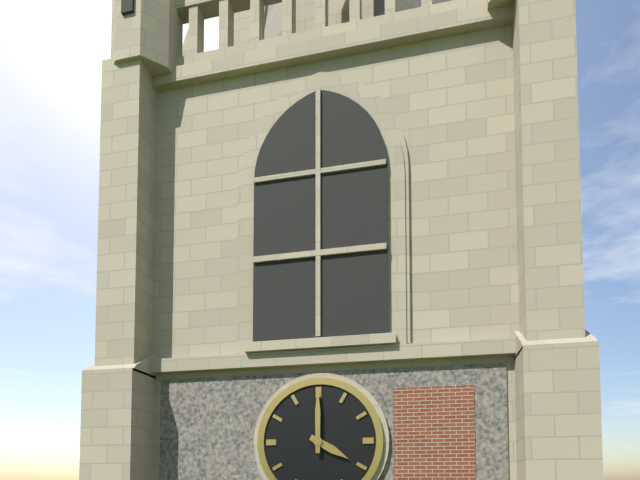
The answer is 4h00
